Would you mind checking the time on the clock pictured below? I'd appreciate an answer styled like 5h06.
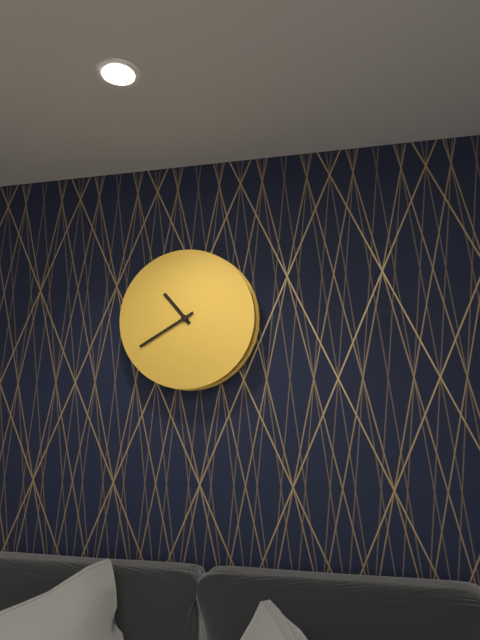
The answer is 10h40
